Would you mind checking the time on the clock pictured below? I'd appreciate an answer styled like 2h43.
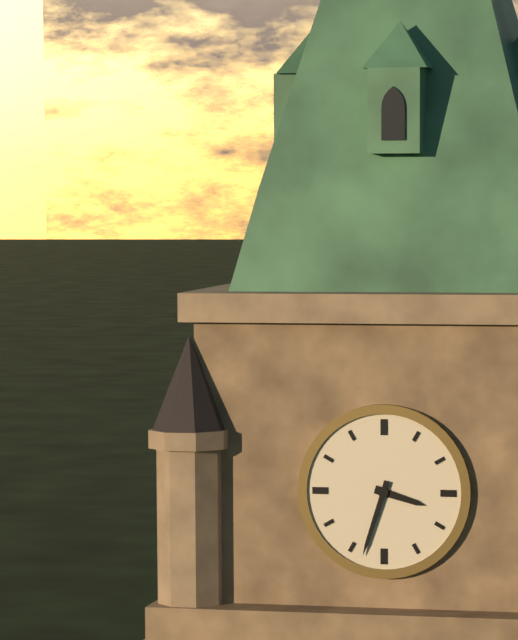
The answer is 3h33
